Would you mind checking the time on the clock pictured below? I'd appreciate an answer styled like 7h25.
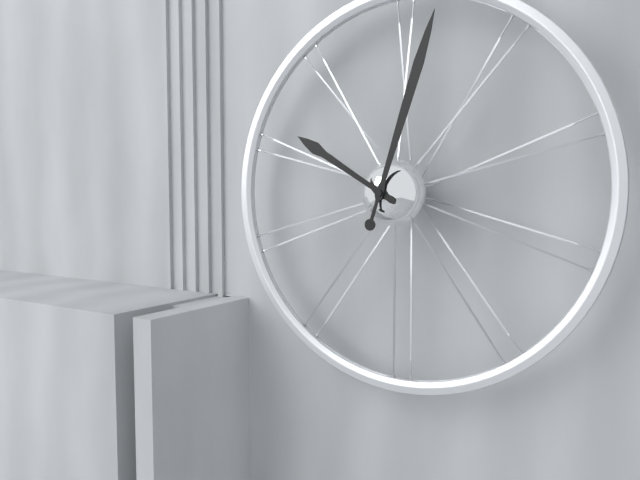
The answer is 10h03
